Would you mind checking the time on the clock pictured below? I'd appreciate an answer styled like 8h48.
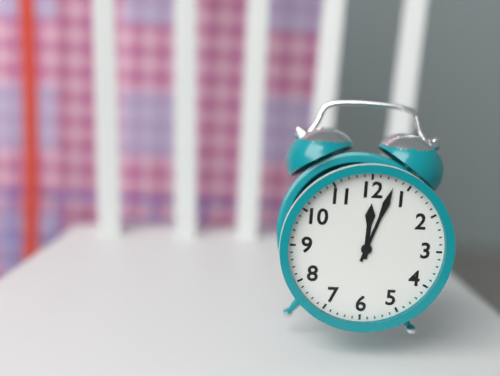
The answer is 12h03
